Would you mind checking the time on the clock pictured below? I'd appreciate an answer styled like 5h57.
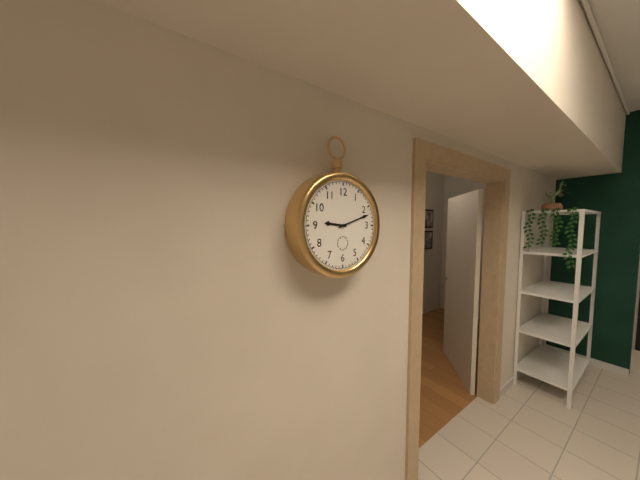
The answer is 9h12
